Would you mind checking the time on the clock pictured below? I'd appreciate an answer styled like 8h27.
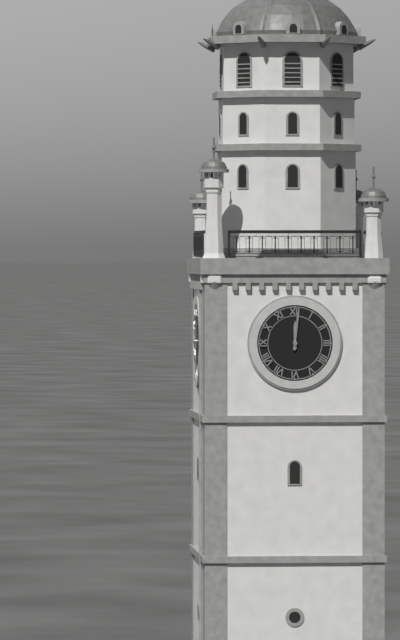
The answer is 12h01
